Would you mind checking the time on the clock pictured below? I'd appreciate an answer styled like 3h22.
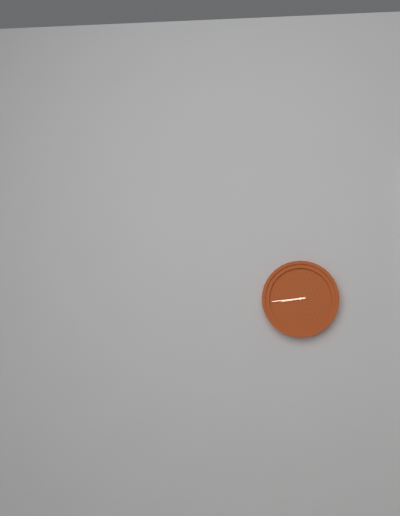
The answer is 8h44
